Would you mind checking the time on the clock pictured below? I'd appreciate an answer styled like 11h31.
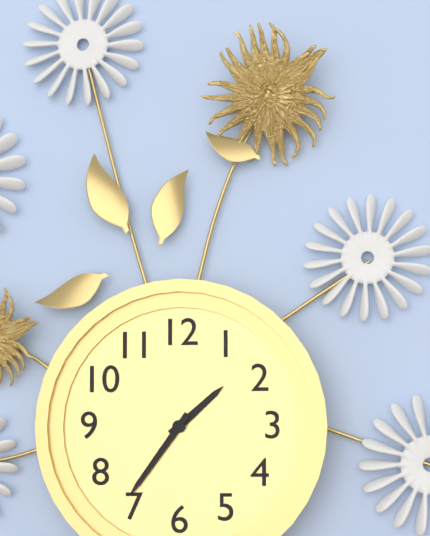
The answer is 1h36
